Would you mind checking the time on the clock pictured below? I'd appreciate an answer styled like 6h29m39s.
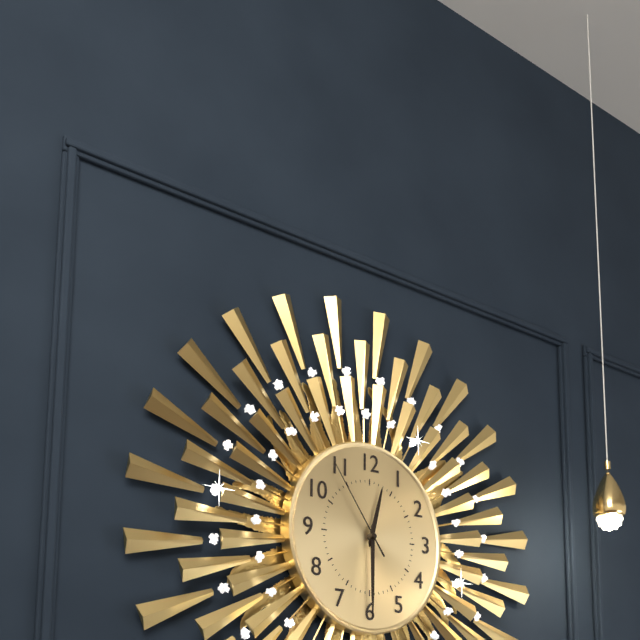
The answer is 12h30m54s
